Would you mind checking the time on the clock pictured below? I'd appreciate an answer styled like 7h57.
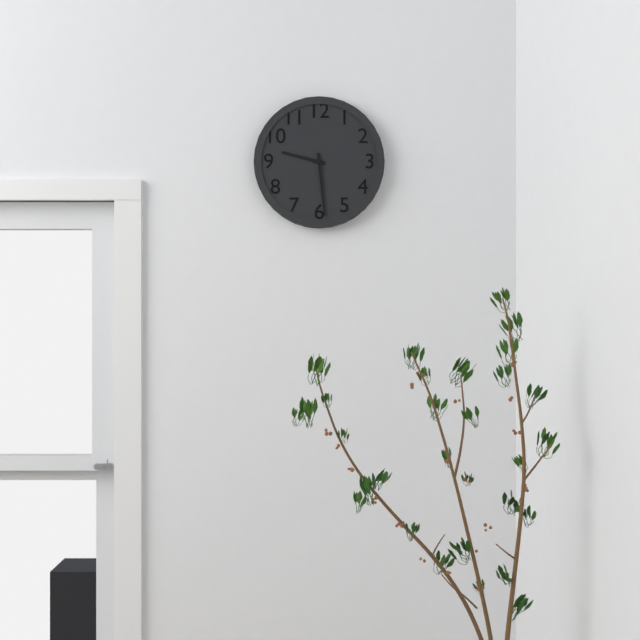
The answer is 9h29
